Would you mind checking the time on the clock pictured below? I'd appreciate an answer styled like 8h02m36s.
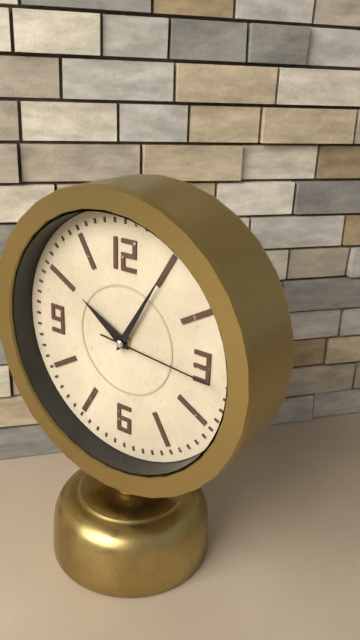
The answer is 10h05m16s
